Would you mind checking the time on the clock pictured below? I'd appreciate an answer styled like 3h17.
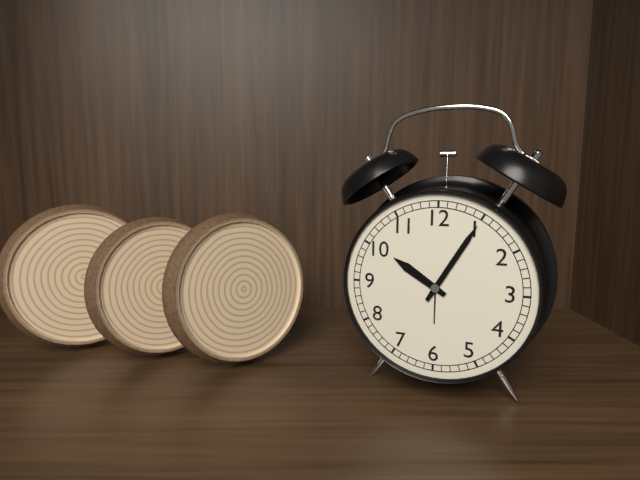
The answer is 10h05
